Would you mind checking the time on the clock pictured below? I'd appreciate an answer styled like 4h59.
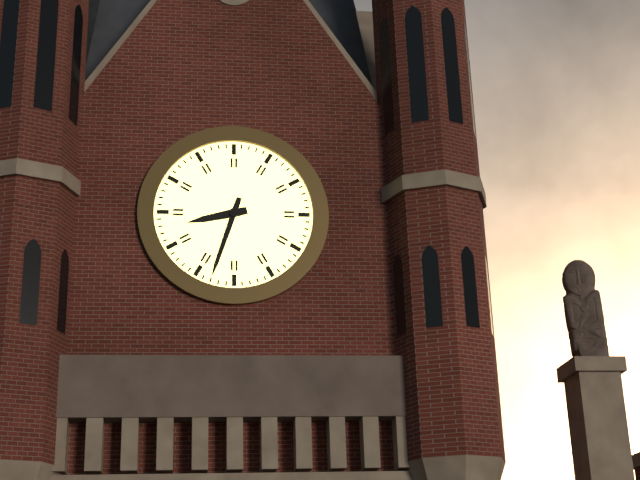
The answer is 8h33
